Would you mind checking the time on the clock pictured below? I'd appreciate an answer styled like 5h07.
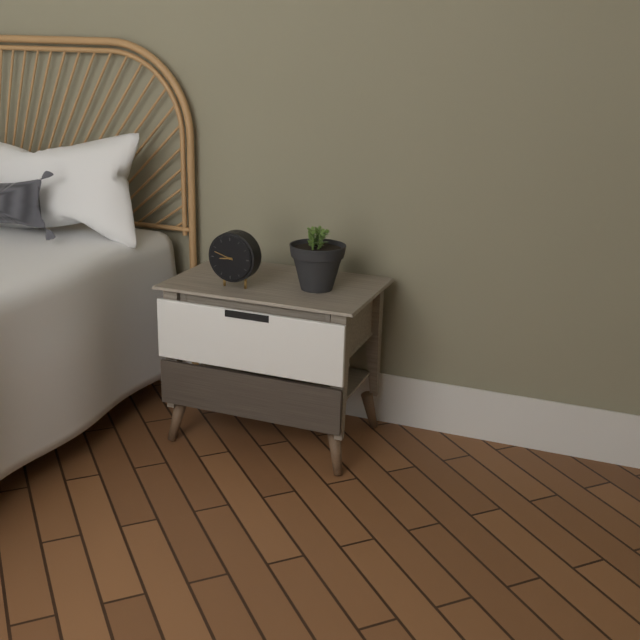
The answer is 8h48
